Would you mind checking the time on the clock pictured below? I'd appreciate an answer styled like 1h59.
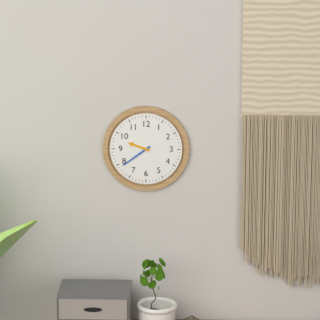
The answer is 9h39
